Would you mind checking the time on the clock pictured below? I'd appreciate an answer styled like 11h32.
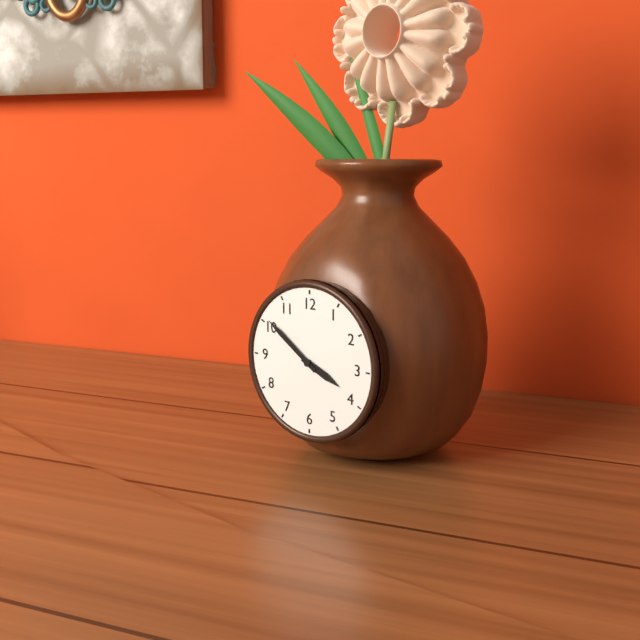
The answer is 3h51
